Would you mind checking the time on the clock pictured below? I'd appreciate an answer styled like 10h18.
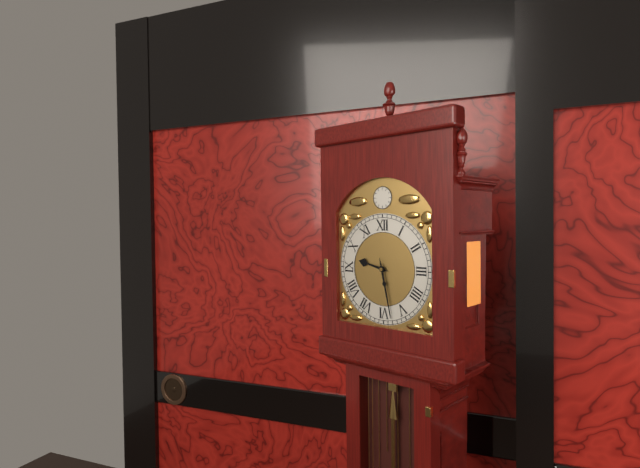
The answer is 9h28
